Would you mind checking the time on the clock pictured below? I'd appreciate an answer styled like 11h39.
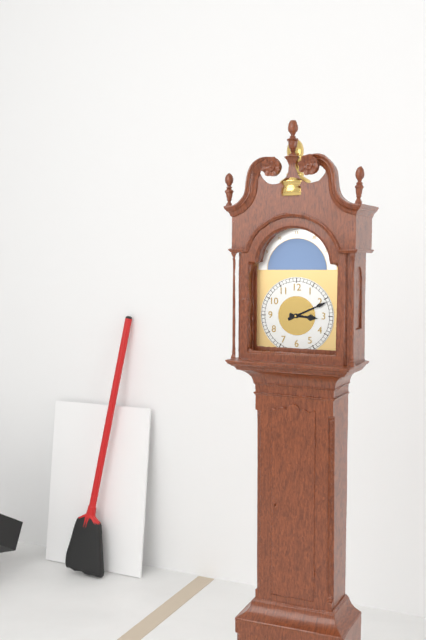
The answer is 3h11
